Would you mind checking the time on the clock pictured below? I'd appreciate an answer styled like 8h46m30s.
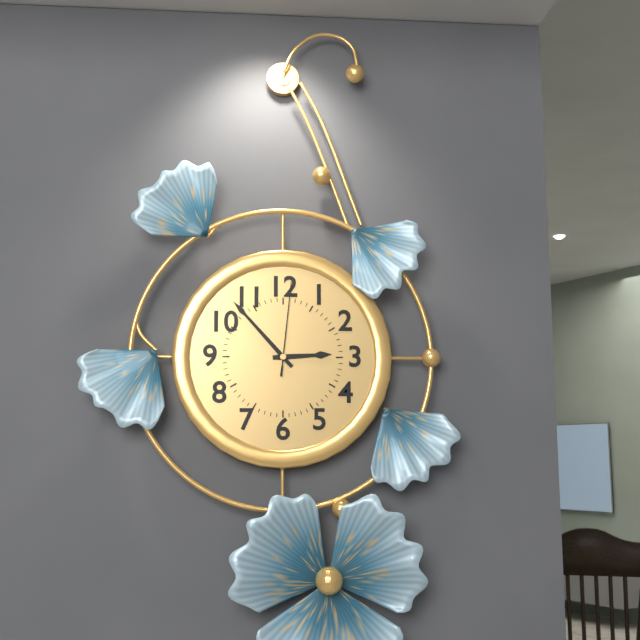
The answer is 2h53m01s
